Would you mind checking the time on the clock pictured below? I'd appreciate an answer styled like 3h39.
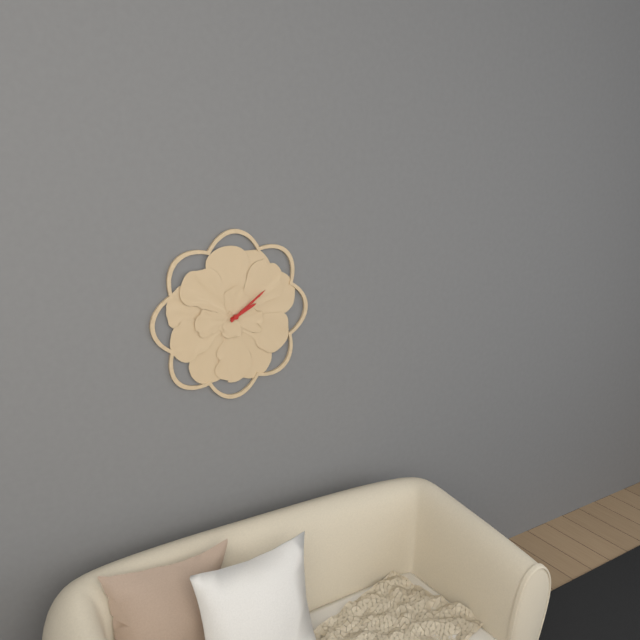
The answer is 2h09
